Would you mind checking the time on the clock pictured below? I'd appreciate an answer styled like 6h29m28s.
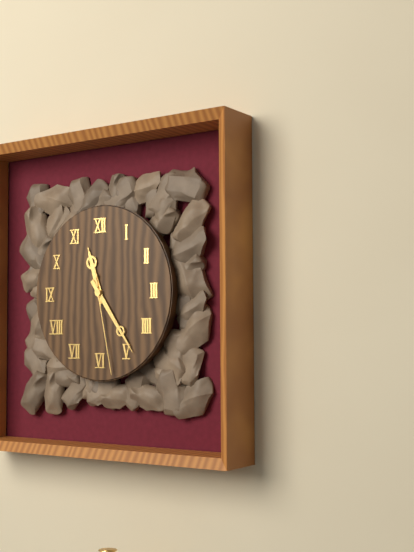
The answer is 11h24m28s
